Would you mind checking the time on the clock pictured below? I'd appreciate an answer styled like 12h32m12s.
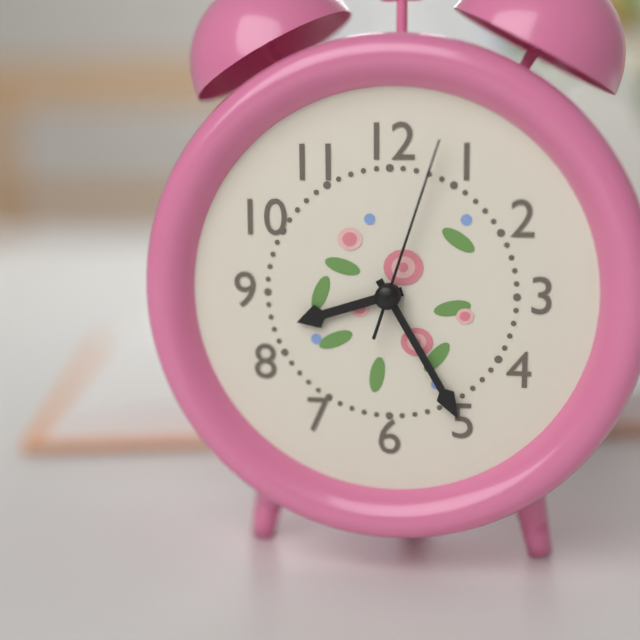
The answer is 8h25m03s
